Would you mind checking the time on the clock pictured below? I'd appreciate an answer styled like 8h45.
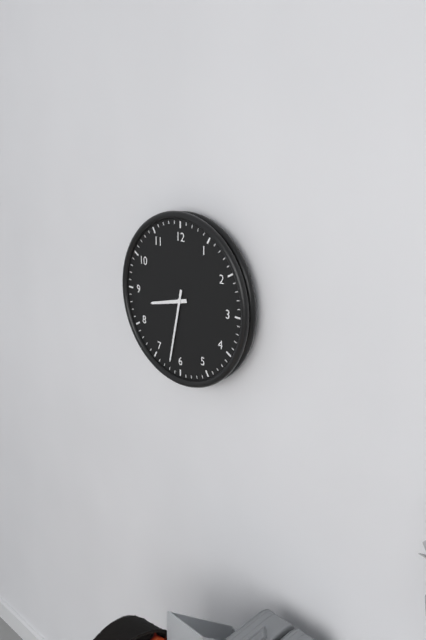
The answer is 8h32
